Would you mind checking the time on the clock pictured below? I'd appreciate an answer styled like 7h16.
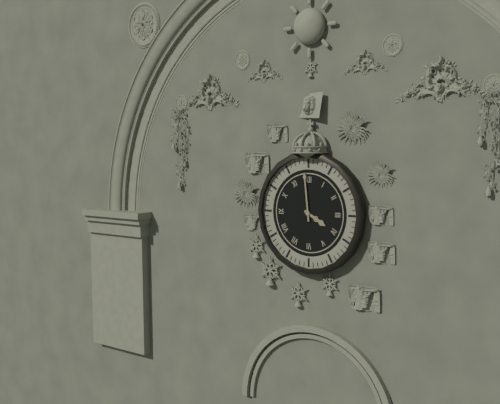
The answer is 3h59
